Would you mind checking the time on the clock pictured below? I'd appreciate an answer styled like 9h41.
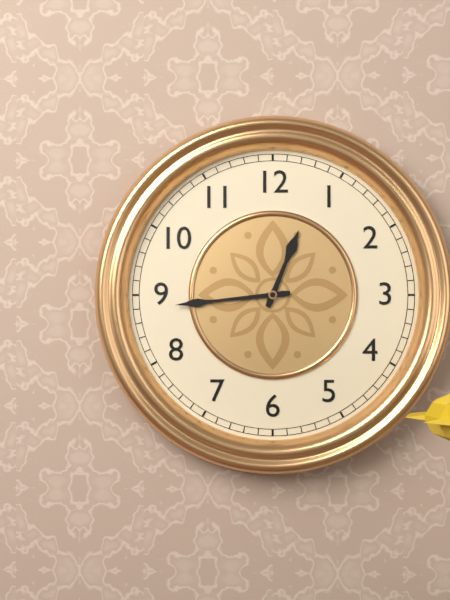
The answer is 12h44
